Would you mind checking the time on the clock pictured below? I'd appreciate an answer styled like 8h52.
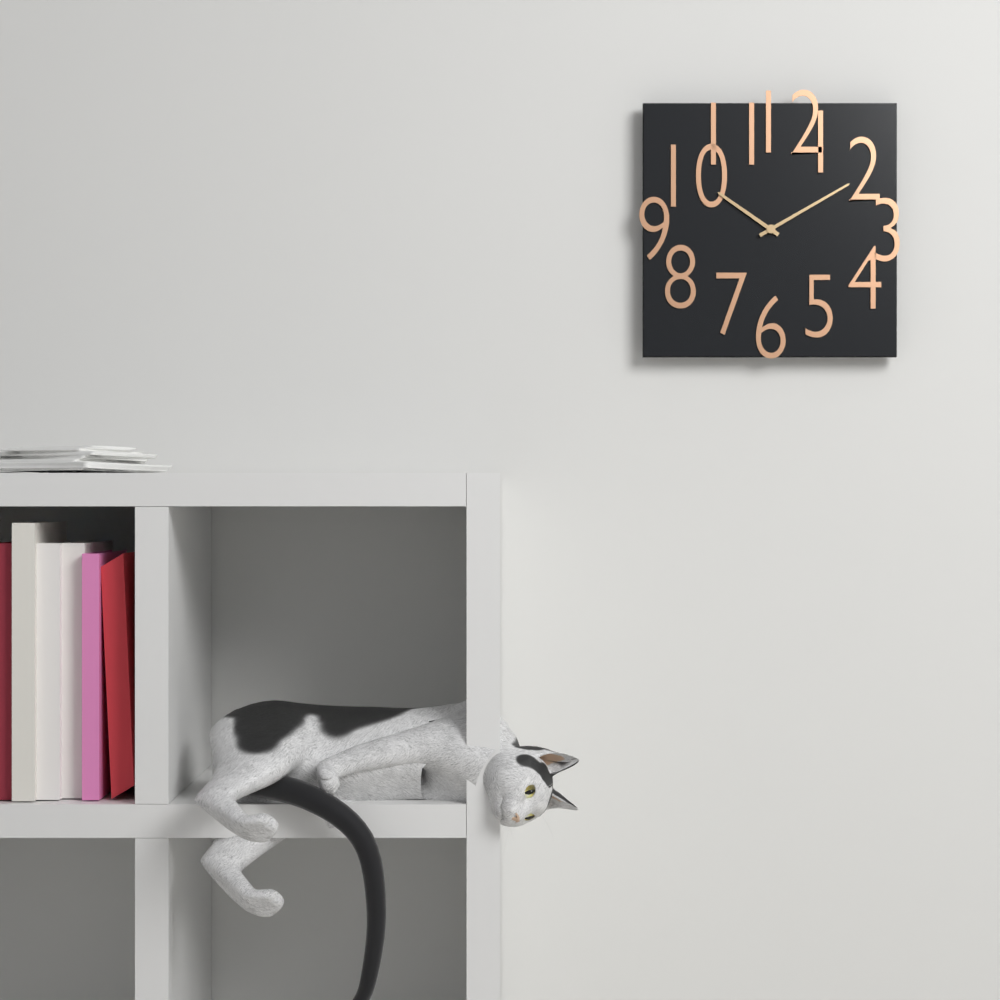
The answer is 10h10
